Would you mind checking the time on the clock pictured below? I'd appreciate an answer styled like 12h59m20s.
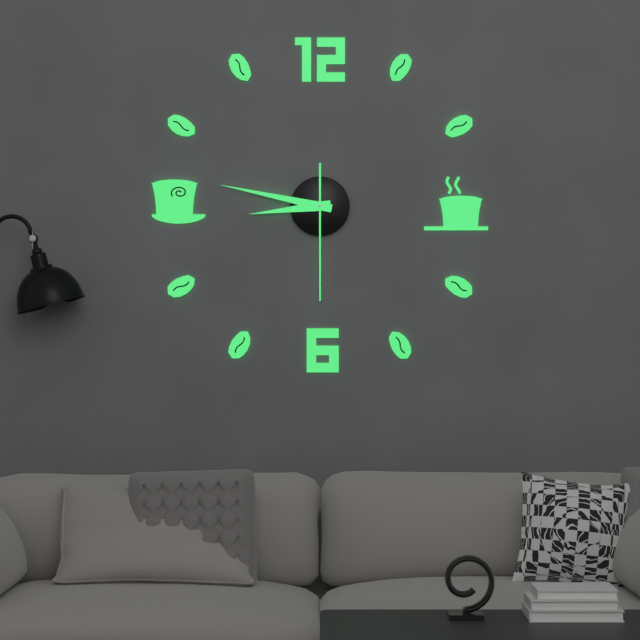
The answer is 8h47m30s
